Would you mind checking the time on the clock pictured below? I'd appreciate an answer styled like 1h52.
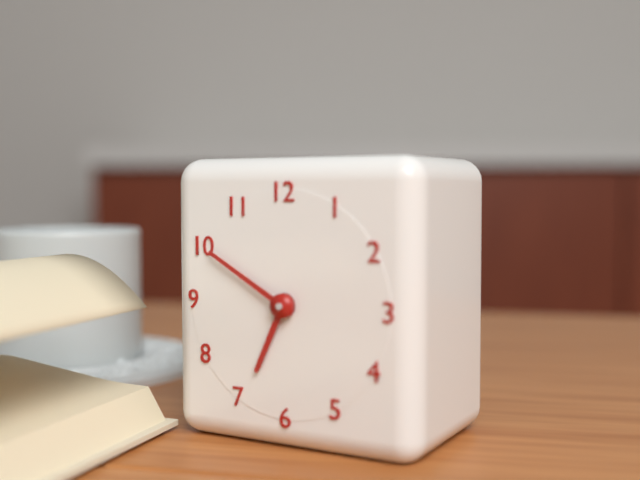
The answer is 6h50
